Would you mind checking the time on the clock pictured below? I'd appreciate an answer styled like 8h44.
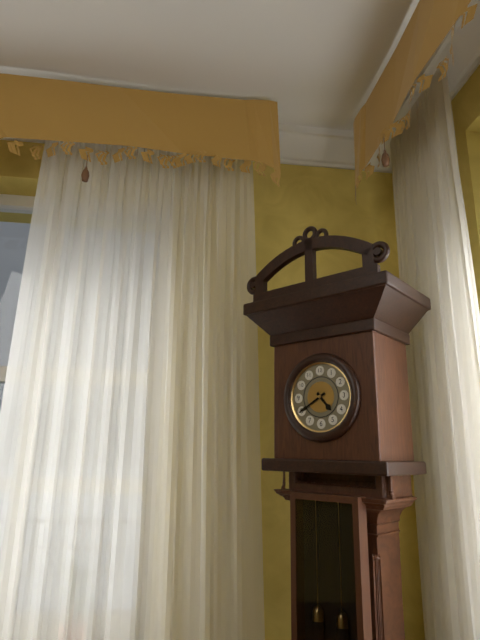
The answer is 4h40
